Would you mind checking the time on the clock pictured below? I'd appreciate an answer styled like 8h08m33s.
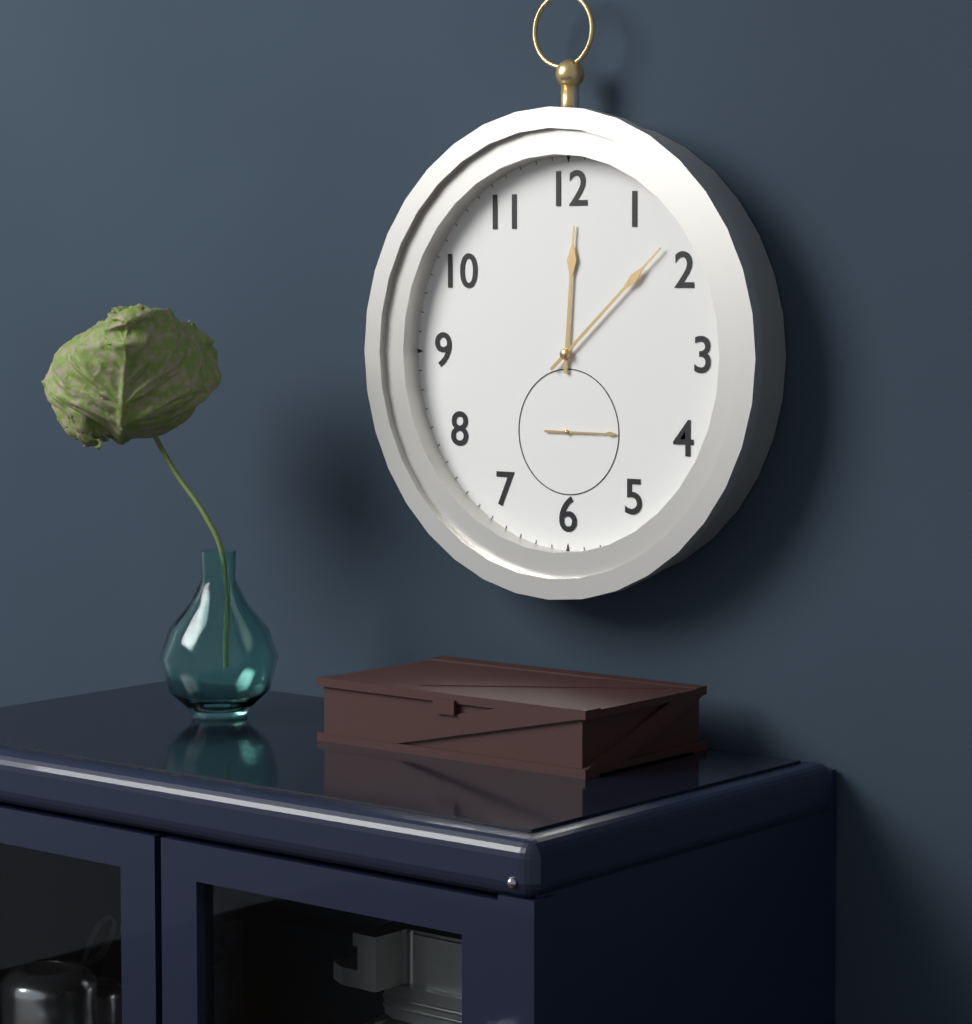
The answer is 12h08m15s
